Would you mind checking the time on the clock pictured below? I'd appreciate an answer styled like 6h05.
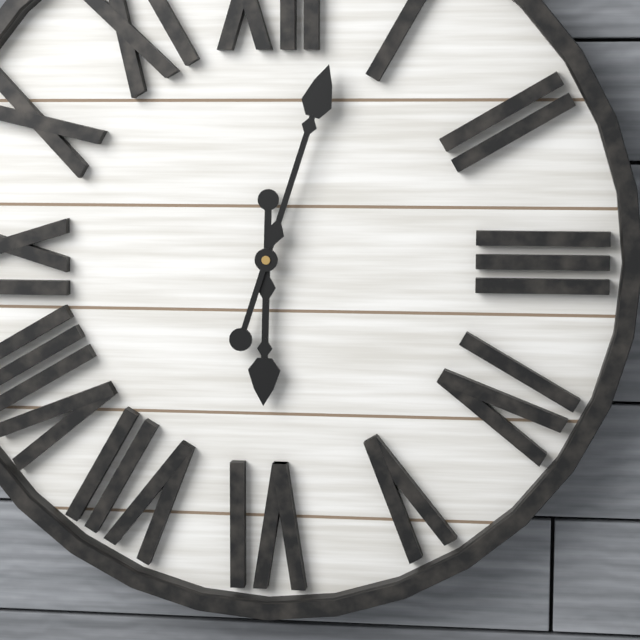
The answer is 6h03
